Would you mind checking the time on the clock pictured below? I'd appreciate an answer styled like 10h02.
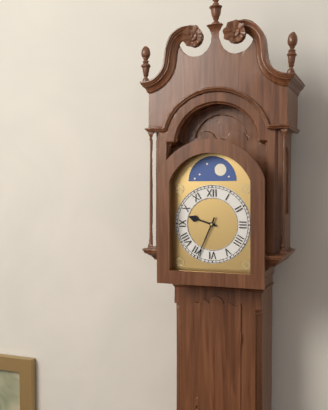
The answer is 9h34
